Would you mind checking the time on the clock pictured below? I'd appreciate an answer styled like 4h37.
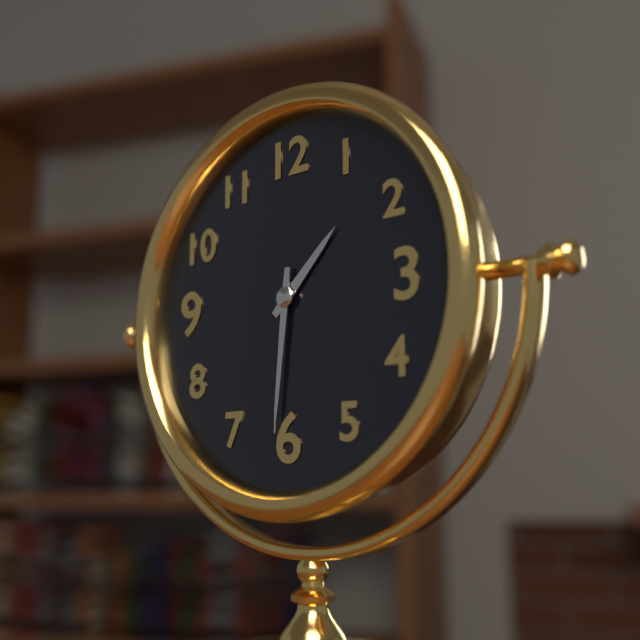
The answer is 1h31
